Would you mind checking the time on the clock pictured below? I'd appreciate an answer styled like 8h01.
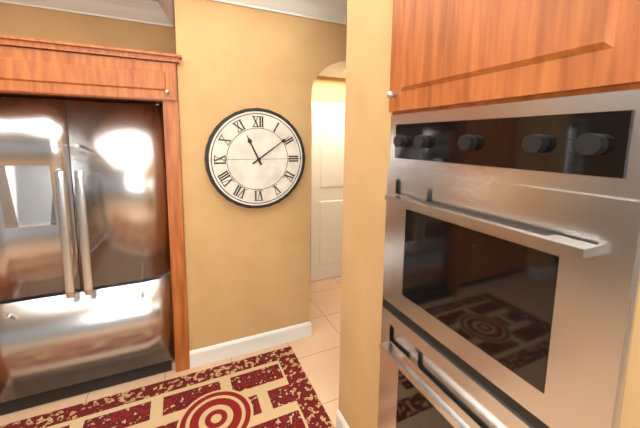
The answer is 11h09
